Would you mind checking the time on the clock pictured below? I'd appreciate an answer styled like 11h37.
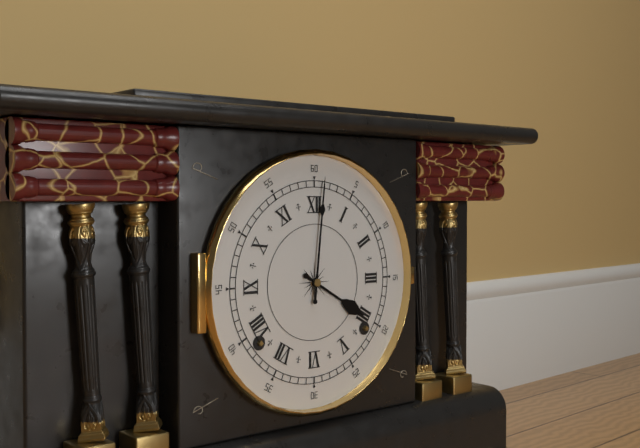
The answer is 4h01
